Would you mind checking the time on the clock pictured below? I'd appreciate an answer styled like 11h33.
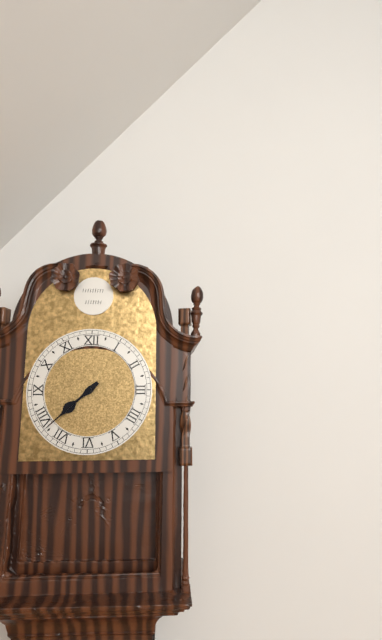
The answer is 7h38
